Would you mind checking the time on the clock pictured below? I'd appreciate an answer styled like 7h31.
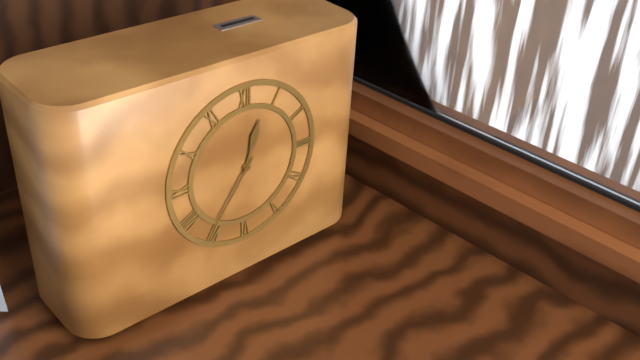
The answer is 12h36
